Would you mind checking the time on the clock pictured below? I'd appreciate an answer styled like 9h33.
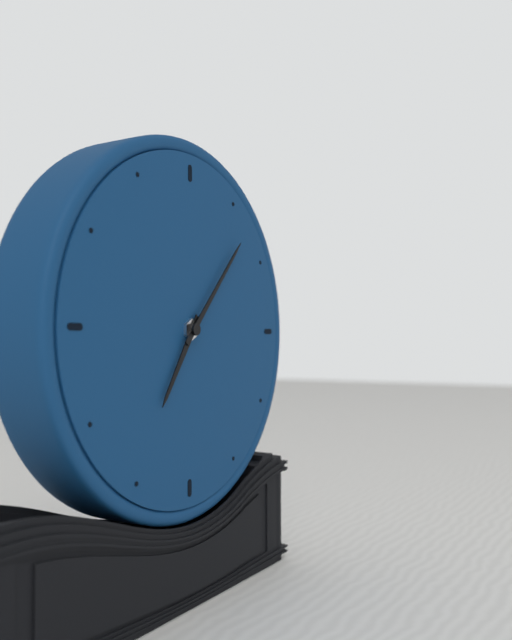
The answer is 7h07
